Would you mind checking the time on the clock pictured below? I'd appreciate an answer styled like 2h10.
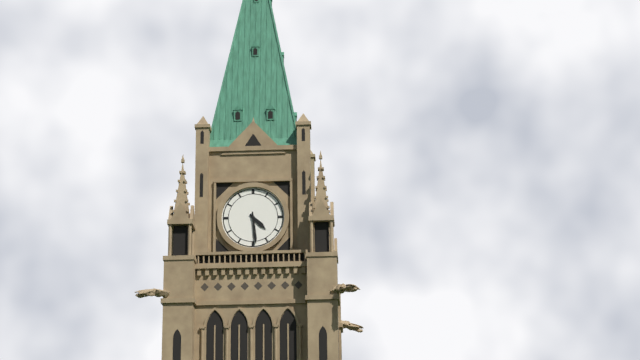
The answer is 4h29
